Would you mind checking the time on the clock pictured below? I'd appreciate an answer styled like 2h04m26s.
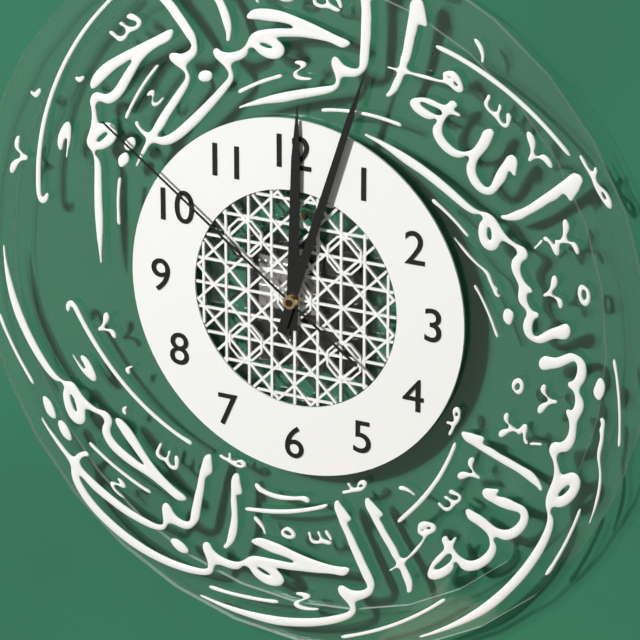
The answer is 12h03m51s
